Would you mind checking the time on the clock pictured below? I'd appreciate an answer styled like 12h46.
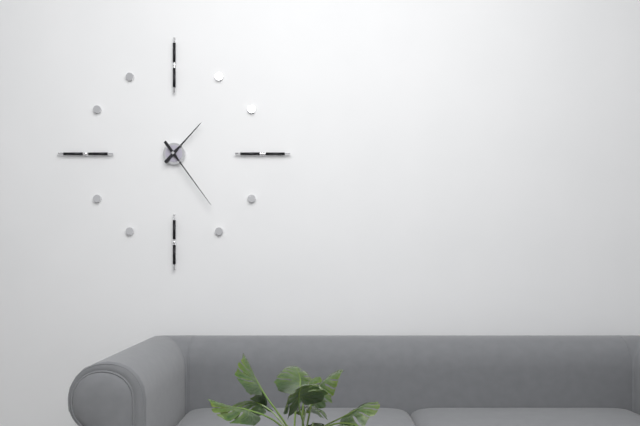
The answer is 1h24
